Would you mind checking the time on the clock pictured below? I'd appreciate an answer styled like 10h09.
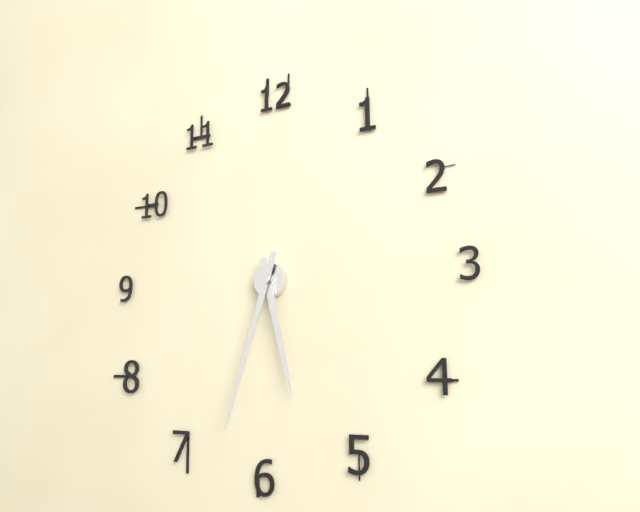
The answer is 5h33
